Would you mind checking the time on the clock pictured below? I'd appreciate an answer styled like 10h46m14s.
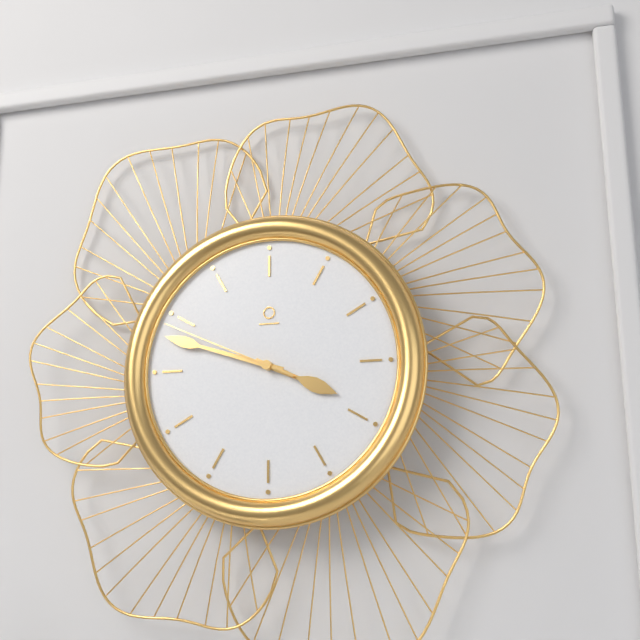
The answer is 3h48m49s
